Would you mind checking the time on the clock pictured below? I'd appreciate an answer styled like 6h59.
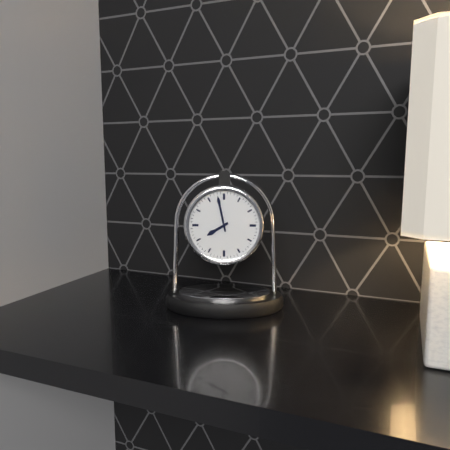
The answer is 7h58
